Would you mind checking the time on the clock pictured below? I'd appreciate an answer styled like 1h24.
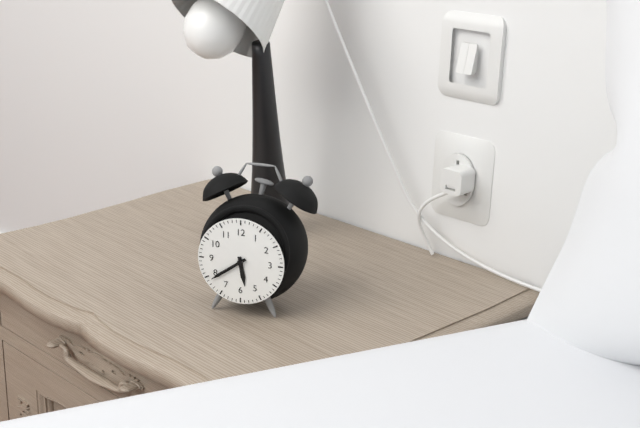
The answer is 5h39
